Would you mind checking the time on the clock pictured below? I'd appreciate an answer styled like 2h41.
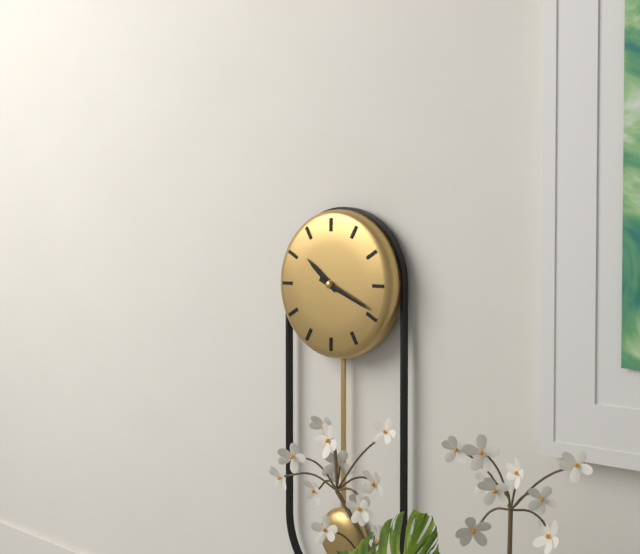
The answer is 10h19
